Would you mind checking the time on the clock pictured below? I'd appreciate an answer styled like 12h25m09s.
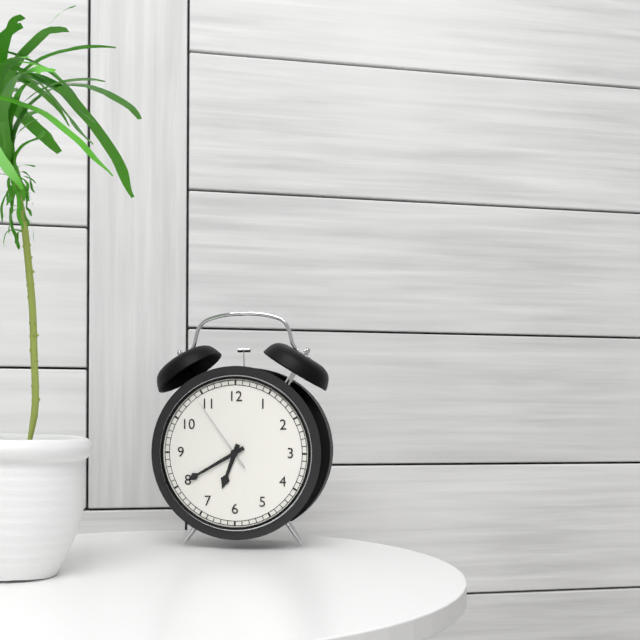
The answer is 6h40m54s
